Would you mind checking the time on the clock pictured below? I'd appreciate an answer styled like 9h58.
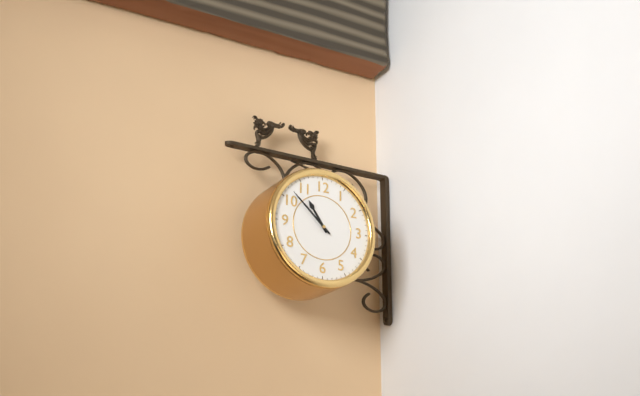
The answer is 10h52
